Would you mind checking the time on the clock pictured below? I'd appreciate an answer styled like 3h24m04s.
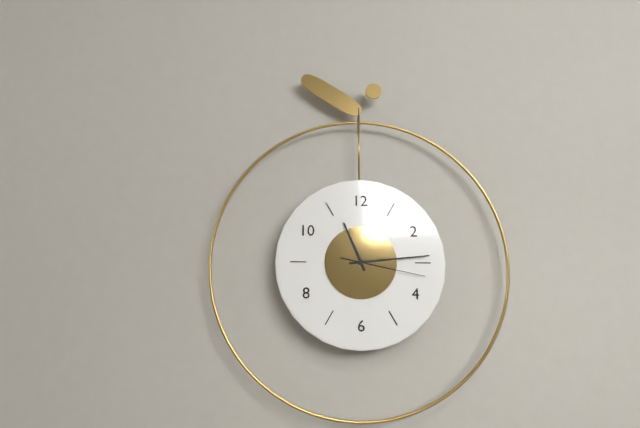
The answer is 11h14m17s
